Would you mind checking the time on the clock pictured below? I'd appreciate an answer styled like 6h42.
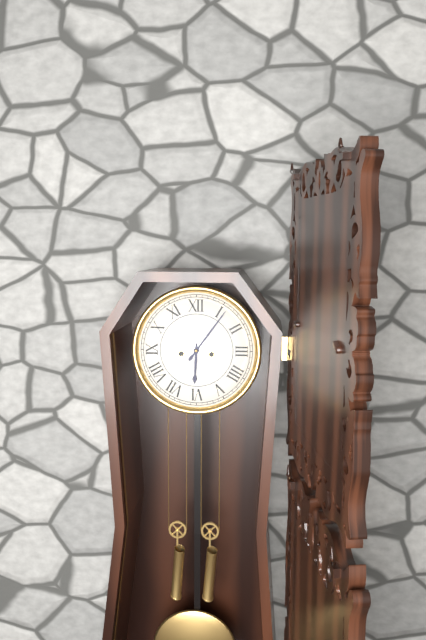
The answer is 6h06
